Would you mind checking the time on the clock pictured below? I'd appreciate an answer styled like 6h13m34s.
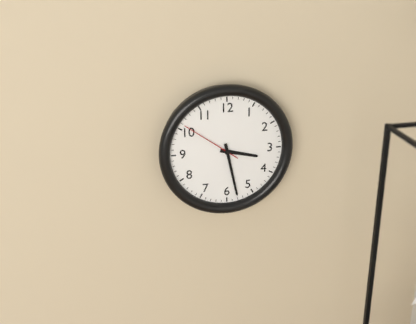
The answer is 3h28m51s
